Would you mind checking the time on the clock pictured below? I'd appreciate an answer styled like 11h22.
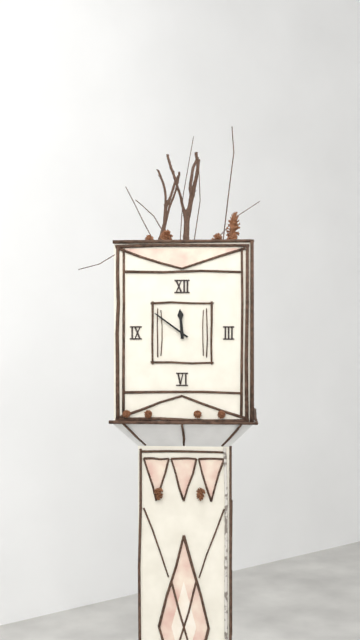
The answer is 11h51
